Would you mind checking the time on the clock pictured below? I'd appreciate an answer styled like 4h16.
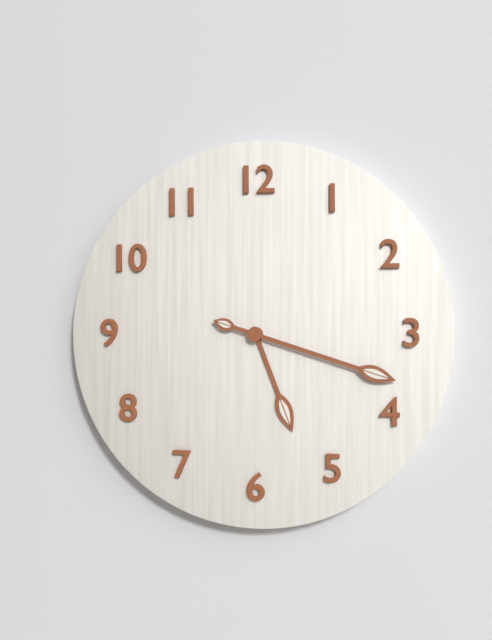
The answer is 5h18
